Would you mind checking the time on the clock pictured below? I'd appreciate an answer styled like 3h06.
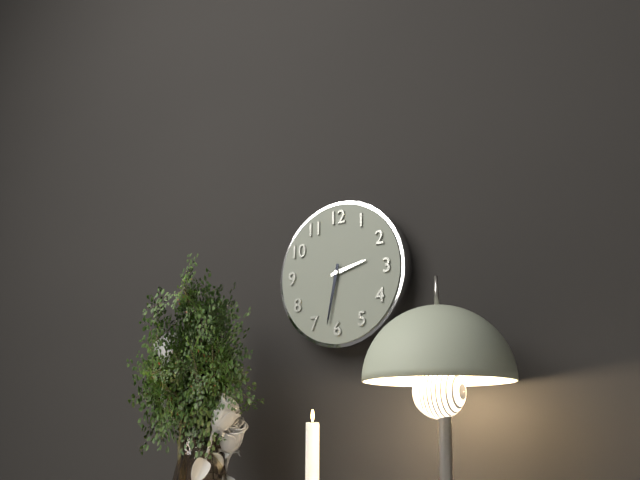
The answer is 2h32
